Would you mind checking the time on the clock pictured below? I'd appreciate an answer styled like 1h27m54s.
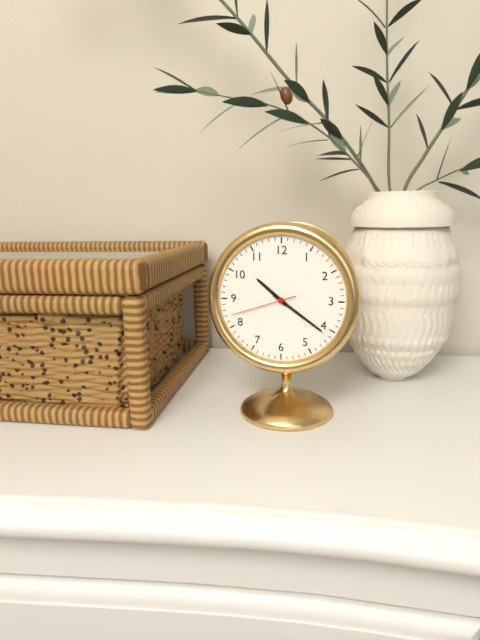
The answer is 10h21m42s
